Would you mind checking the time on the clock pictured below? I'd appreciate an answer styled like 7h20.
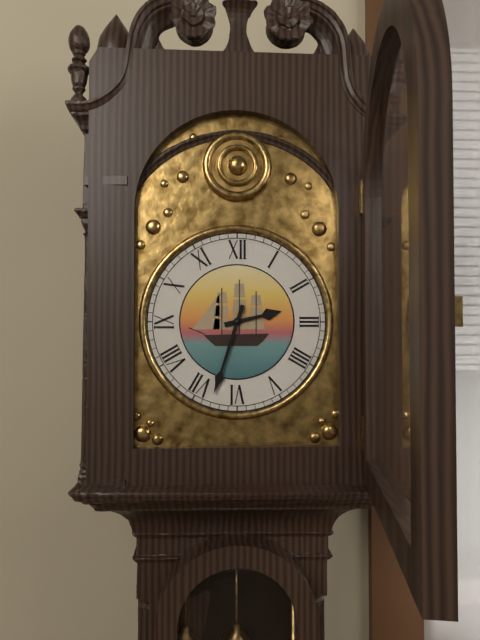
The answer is 2h33
